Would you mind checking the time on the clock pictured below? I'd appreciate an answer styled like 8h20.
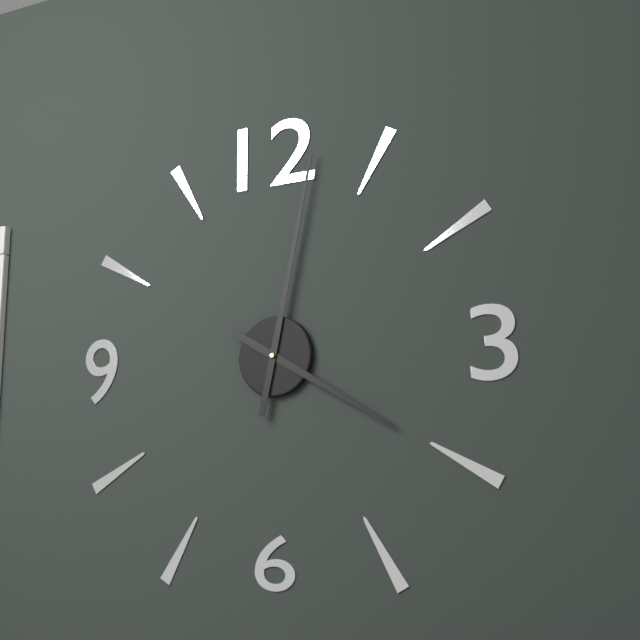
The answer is 4h02
